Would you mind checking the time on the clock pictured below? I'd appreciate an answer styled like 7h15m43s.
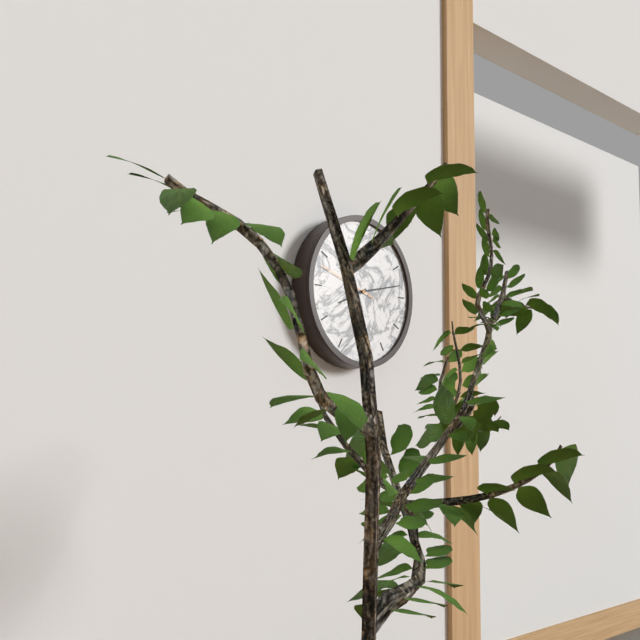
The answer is 8h13m48s
